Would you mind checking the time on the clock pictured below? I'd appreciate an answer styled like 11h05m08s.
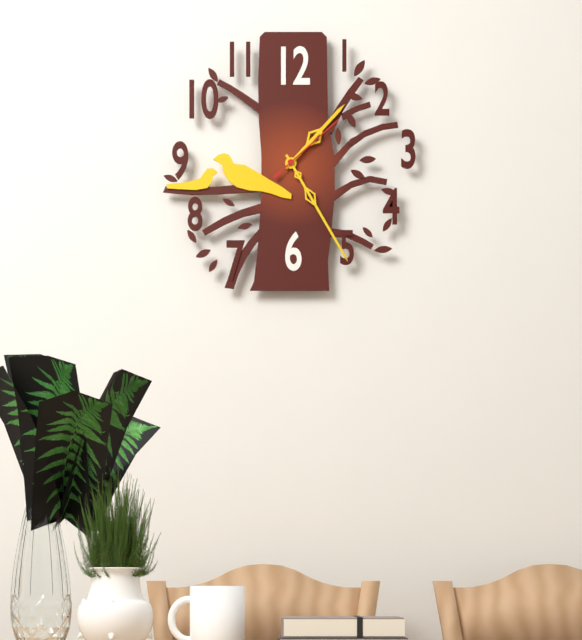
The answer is 1h25m08s
